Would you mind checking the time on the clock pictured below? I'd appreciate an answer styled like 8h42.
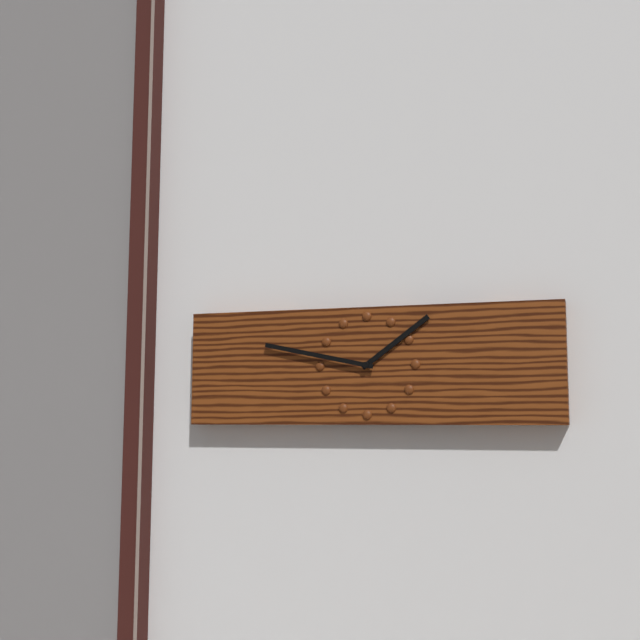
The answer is 1h47
